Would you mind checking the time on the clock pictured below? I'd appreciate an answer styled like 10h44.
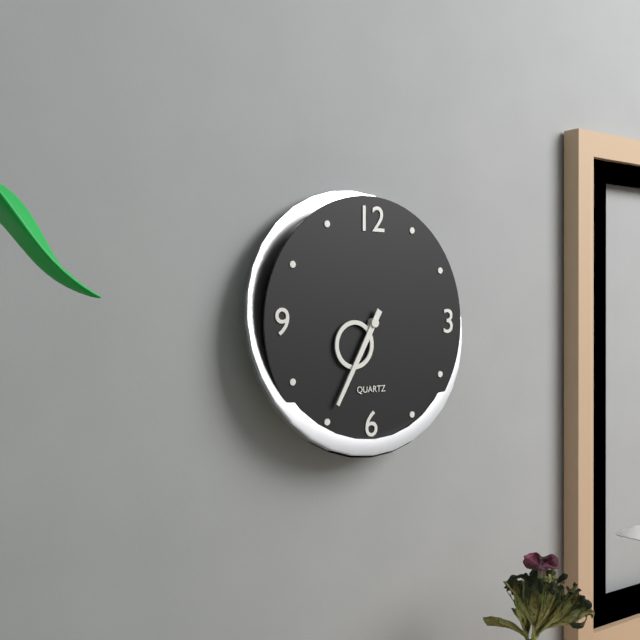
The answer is 7h35
